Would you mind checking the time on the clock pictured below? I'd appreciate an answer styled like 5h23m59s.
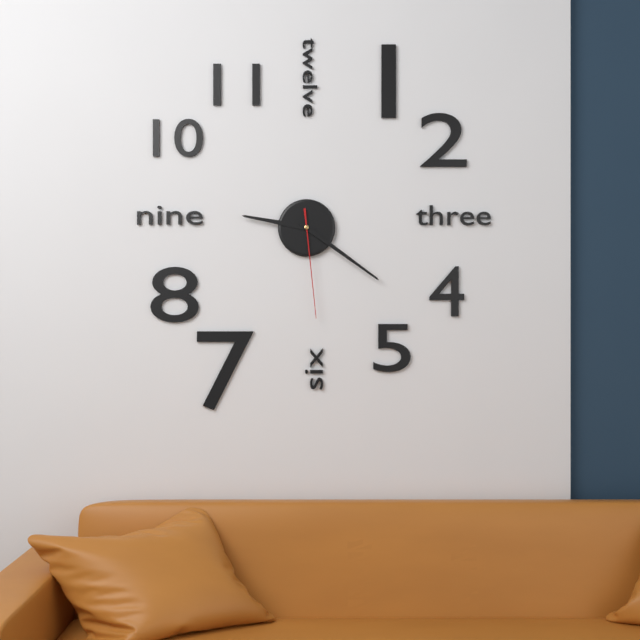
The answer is 9h21m29s
